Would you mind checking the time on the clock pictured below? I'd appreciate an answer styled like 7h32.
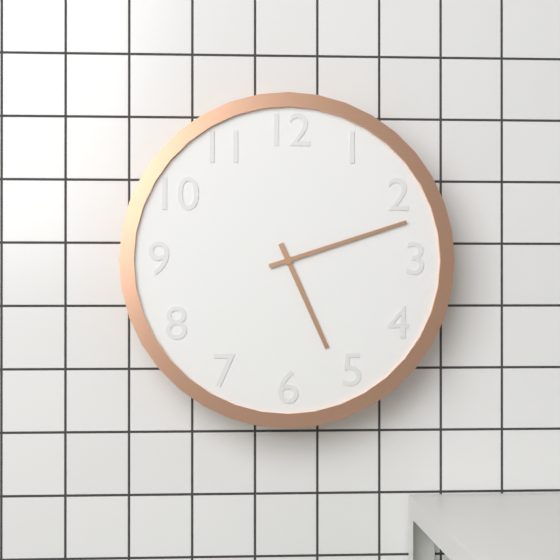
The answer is 5h12
